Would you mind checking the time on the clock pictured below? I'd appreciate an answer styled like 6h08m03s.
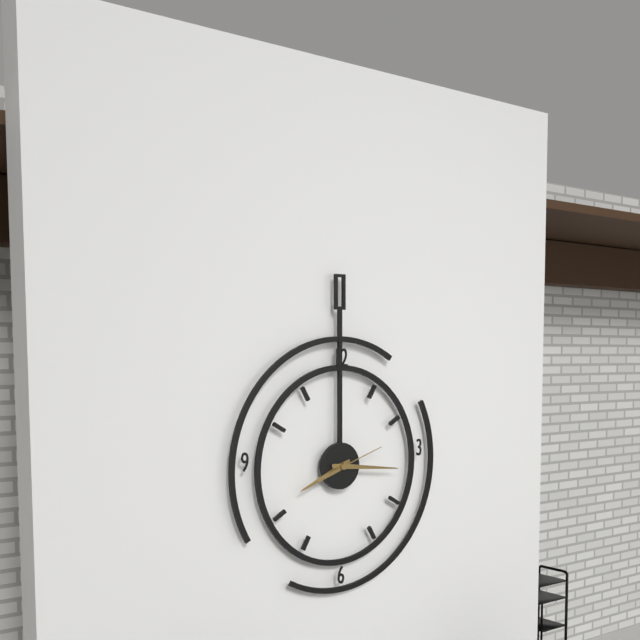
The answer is 8h16m12s
